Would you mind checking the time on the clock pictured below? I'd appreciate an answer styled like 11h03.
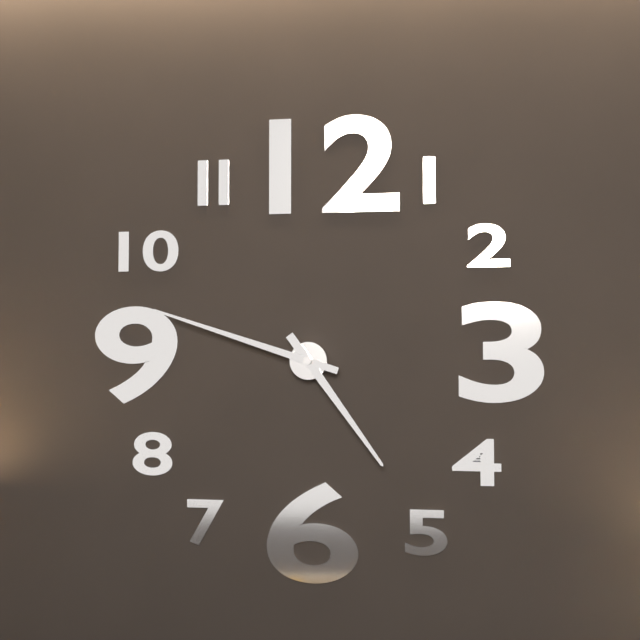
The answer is 4h48
